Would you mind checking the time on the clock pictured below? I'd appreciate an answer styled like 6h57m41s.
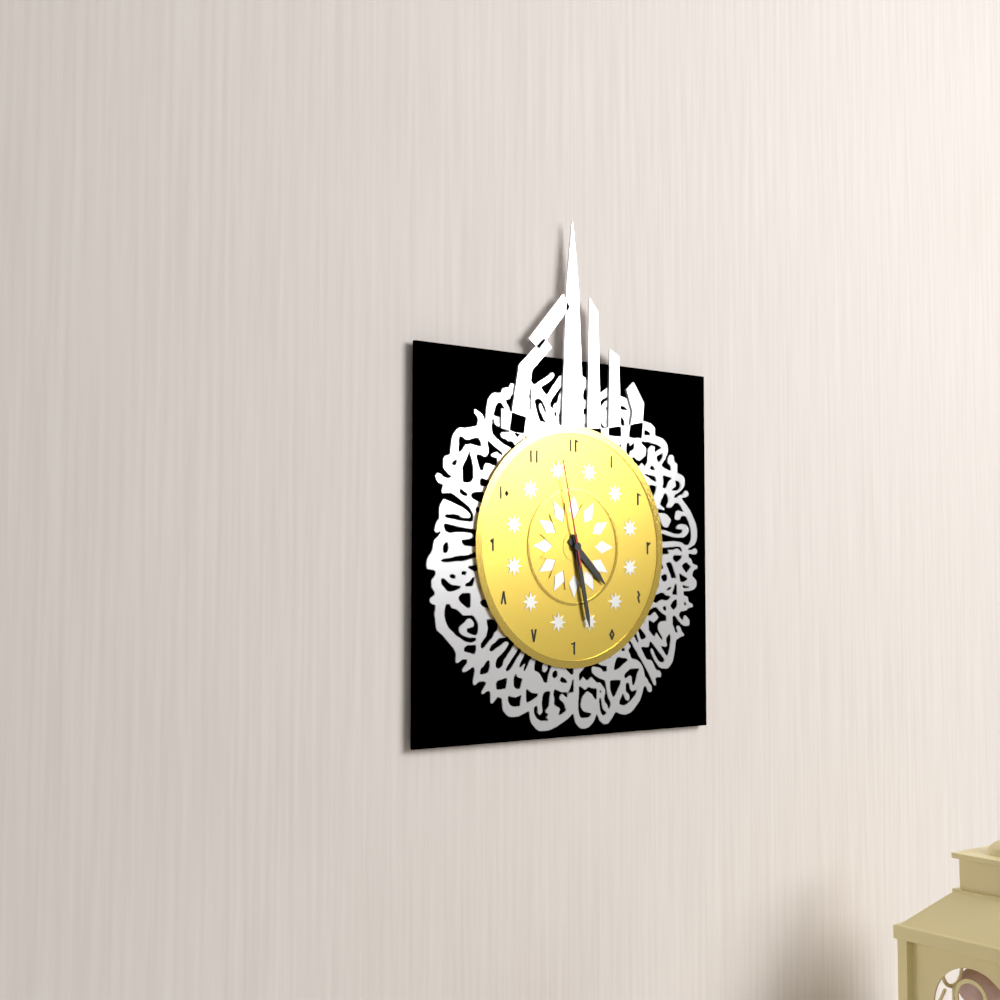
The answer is 4h28m58s
